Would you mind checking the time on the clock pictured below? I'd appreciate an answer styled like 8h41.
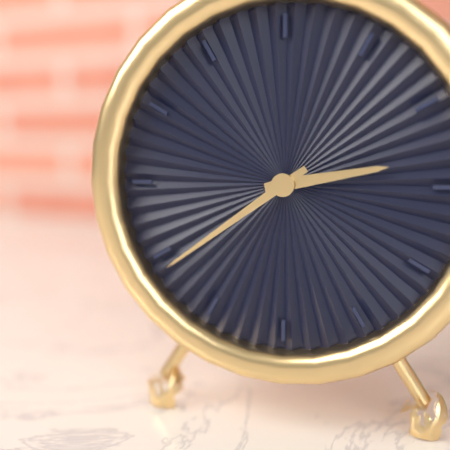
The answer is 2h39
